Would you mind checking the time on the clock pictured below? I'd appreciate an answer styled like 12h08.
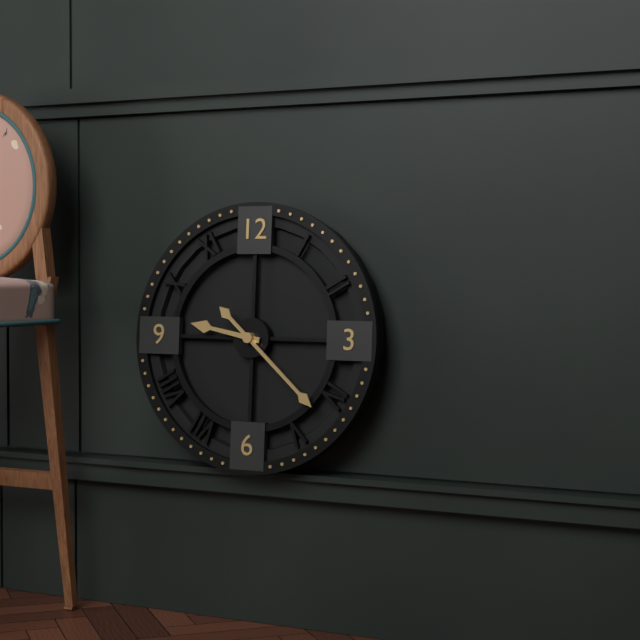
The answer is 9h22
